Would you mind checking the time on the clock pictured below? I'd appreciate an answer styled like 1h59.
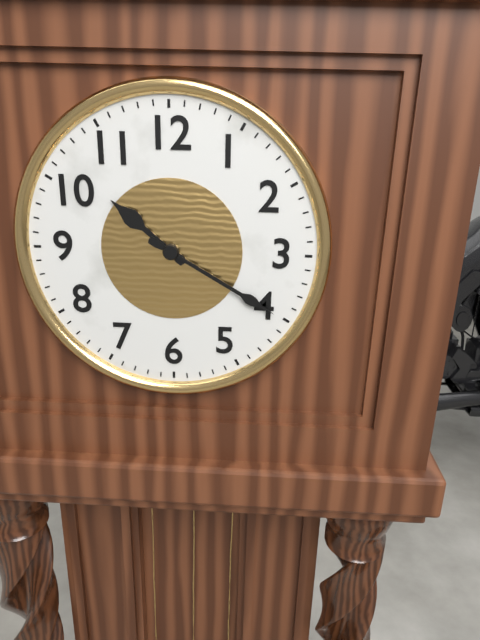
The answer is 10h20
